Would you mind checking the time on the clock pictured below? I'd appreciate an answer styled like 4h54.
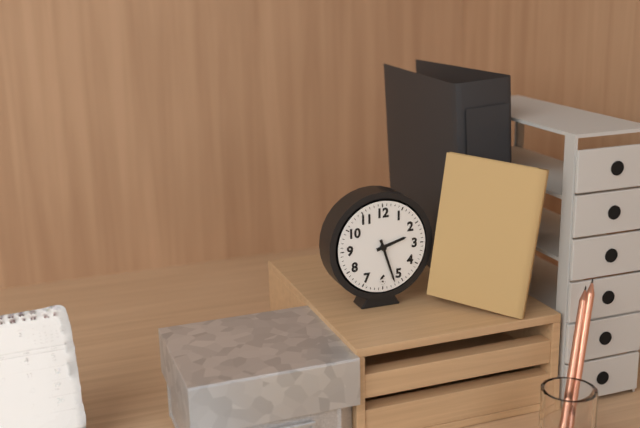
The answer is 2h27
